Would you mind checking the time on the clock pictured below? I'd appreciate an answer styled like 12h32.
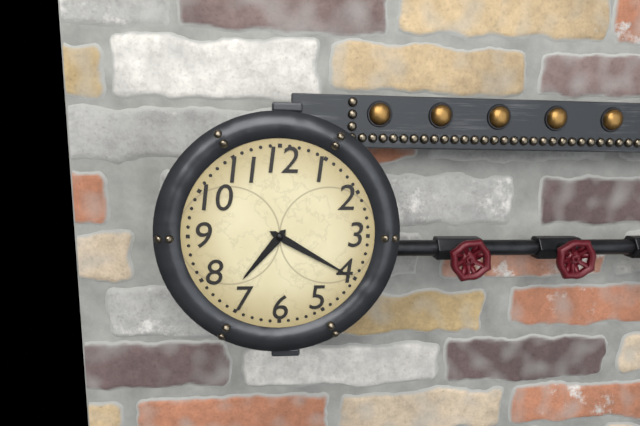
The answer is 7h20
